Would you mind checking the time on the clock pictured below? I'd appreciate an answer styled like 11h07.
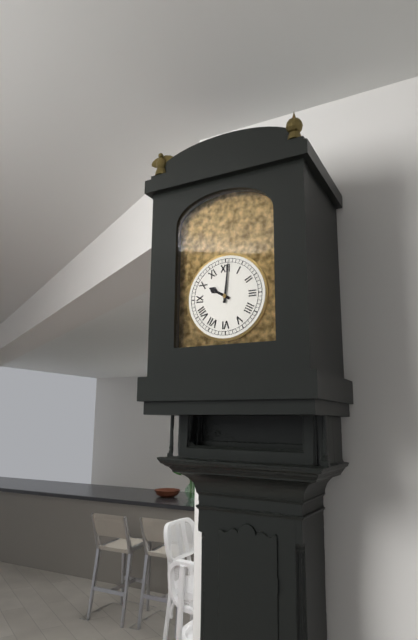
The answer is 10h01
